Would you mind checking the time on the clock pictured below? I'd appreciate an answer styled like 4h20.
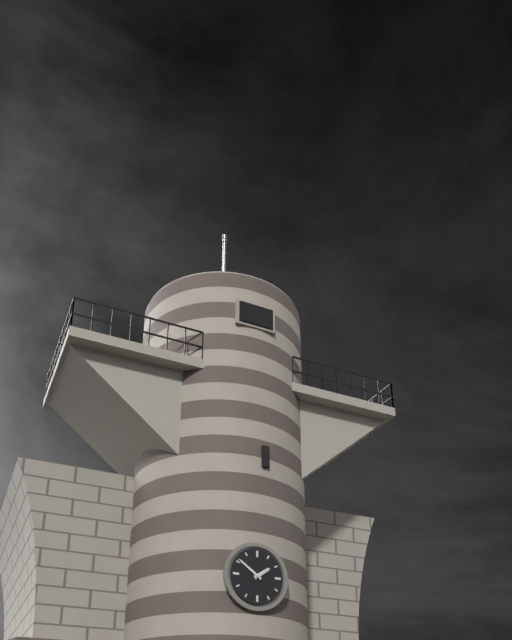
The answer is 1h51
